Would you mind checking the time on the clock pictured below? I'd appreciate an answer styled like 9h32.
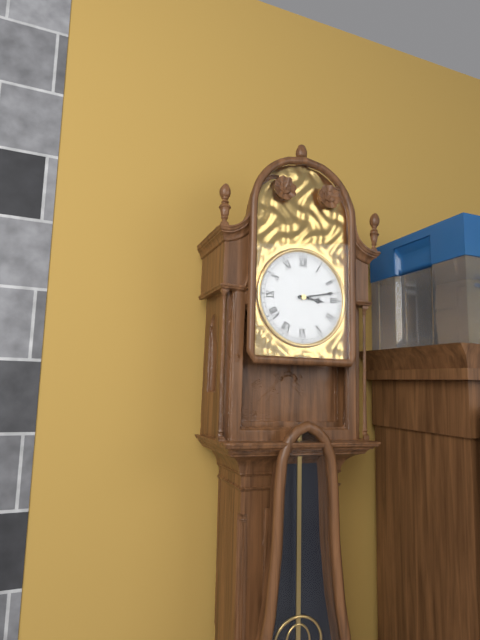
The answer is 3h13
